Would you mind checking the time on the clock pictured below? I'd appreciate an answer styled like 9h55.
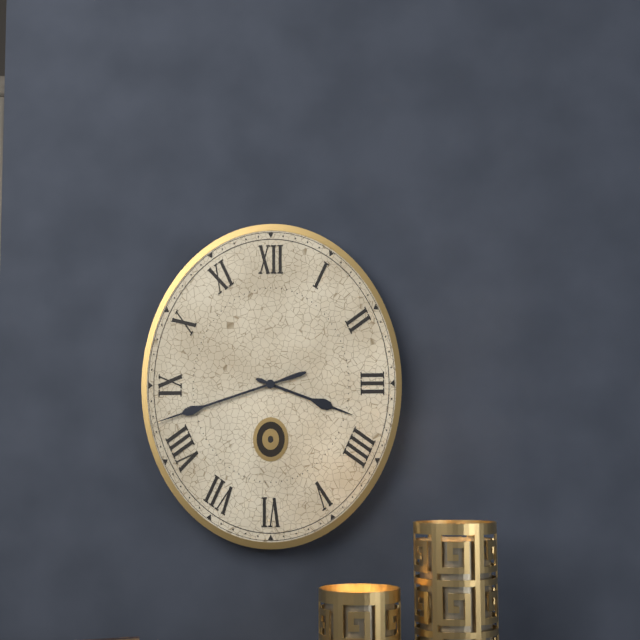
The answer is 3h42
